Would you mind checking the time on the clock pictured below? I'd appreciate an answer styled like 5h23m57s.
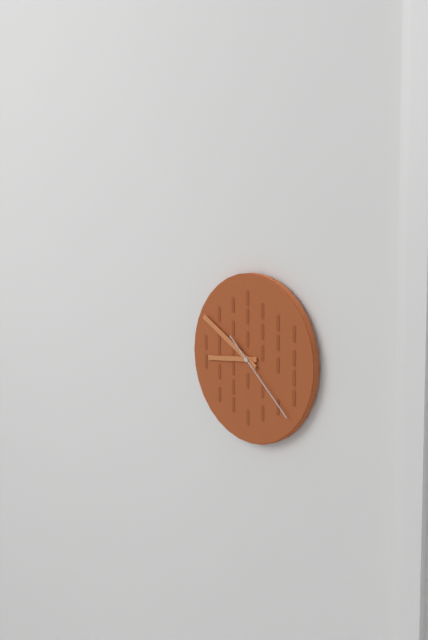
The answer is 8h50m22s
